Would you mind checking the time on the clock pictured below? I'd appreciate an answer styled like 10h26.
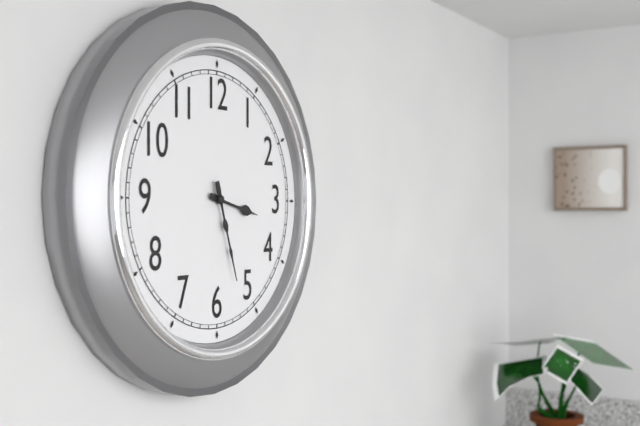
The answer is 3h27
